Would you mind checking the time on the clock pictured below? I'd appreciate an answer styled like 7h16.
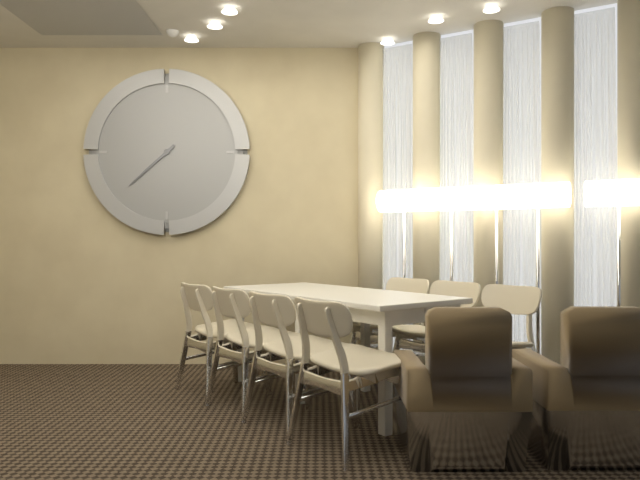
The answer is 7h38
